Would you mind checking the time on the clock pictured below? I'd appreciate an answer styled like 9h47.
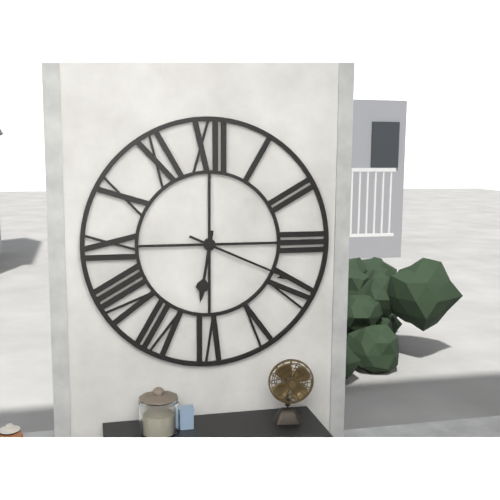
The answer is 6h19
